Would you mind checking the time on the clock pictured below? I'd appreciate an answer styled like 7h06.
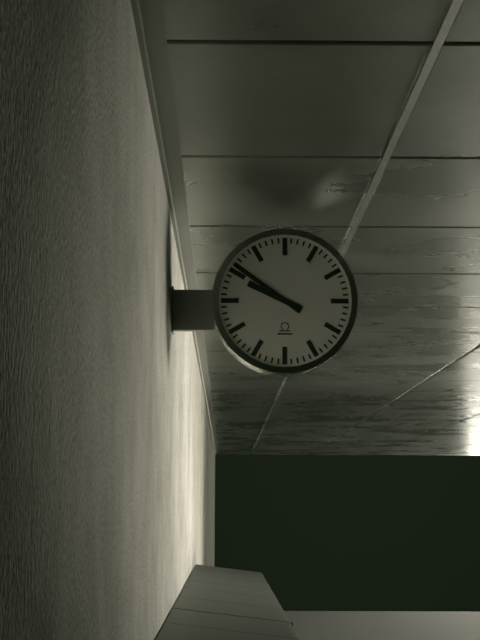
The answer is 9h51
